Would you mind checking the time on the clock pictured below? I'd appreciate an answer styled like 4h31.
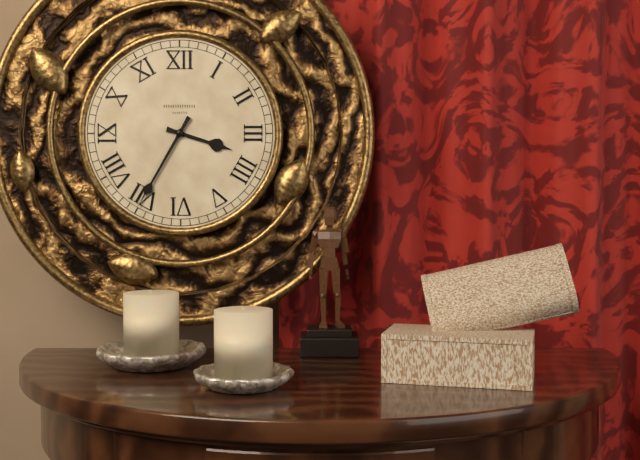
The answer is 3h35
